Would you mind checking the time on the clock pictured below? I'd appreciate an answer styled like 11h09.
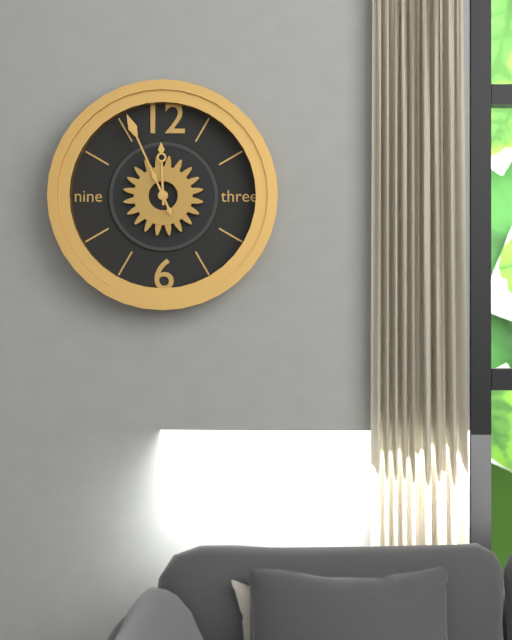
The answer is 11h56
